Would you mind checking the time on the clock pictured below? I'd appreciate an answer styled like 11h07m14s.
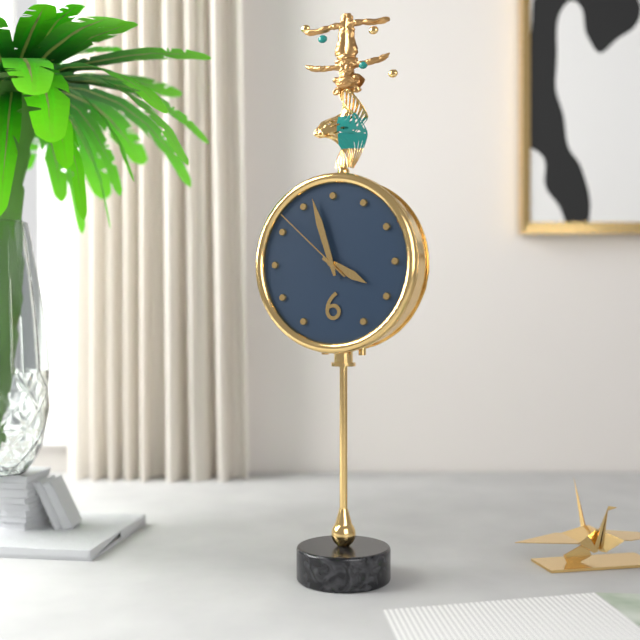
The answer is 3h57m52s
